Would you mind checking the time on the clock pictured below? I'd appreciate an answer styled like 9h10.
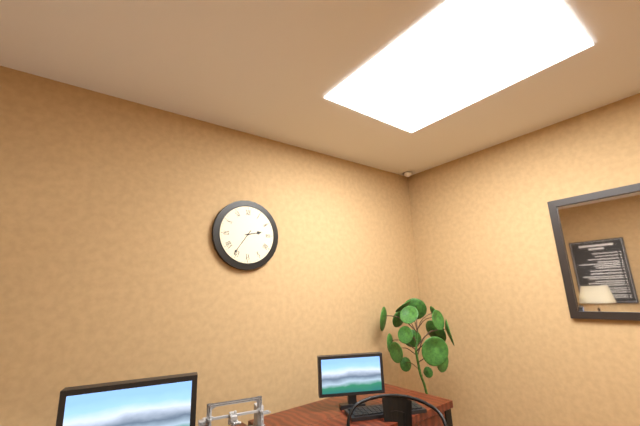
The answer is 2h36
